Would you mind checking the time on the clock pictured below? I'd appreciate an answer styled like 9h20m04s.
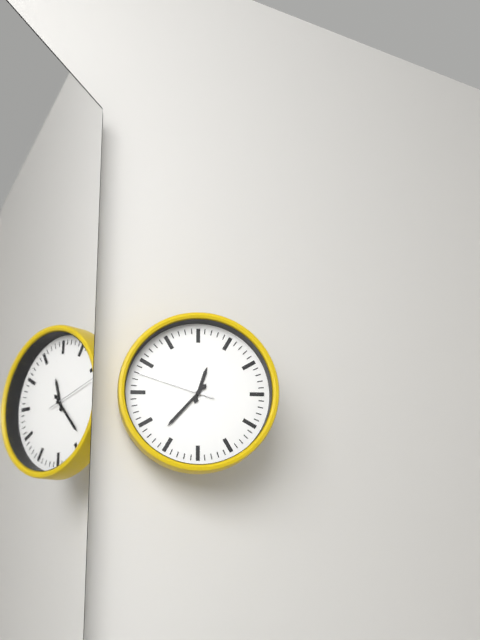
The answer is 12h37m48s
